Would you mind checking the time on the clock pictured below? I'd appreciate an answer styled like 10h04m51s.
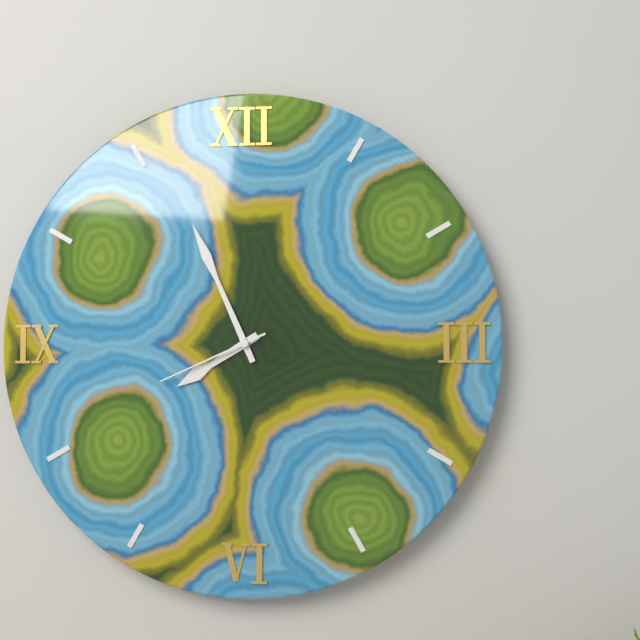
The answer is 7h56m41s
